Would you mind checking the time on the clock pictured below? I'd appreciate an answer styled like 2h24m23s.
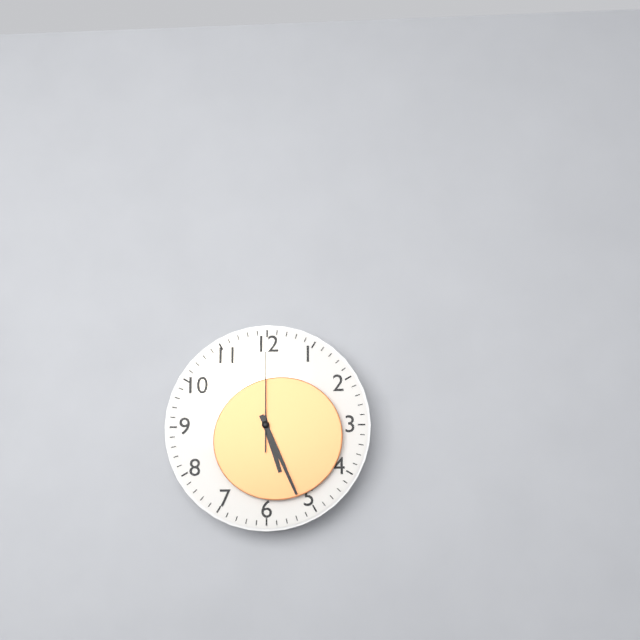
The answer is 5h26m00s
